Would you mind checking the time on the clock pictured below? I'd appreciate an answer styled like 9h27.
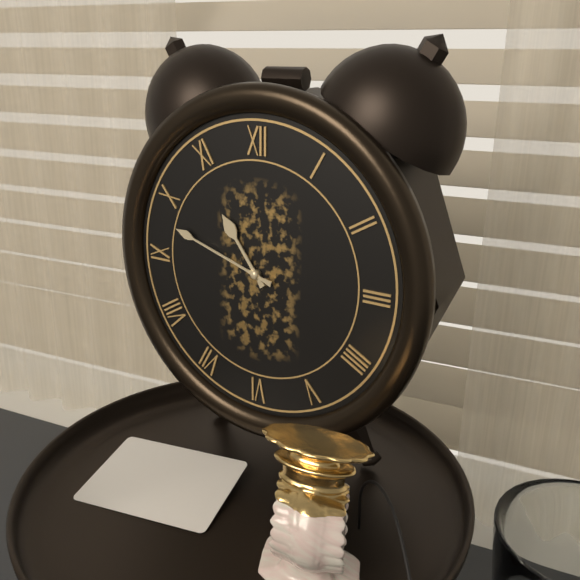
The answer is 10h48
